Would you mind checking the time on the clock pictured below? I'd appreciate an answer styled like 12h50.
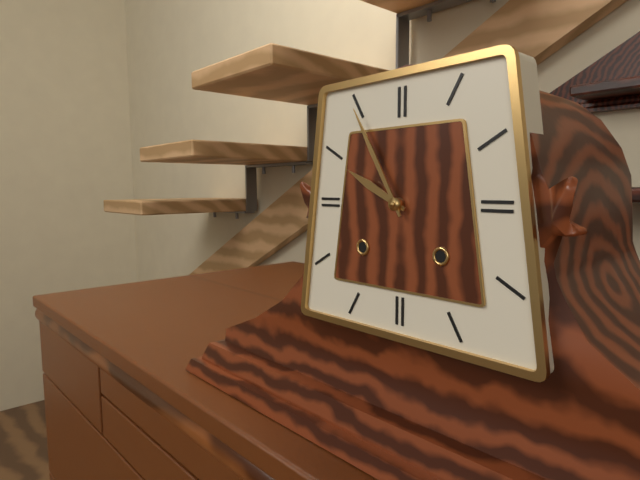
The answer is 9h55
